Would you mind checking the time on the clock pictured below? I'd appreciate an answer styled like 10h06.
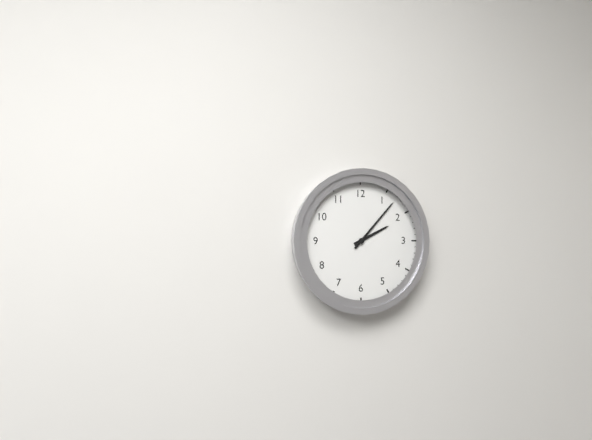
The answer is 2h07
